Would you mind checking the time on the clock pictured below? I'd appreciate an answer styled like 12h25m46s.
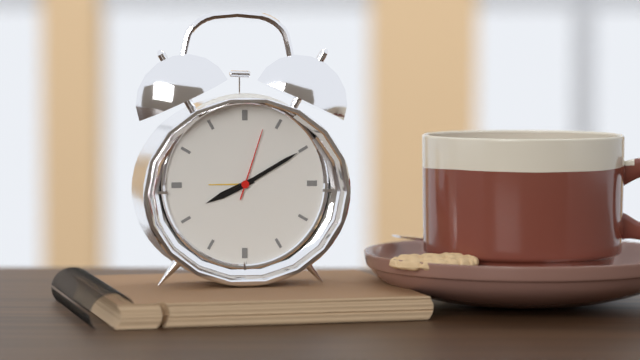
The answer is 8h10m03s
